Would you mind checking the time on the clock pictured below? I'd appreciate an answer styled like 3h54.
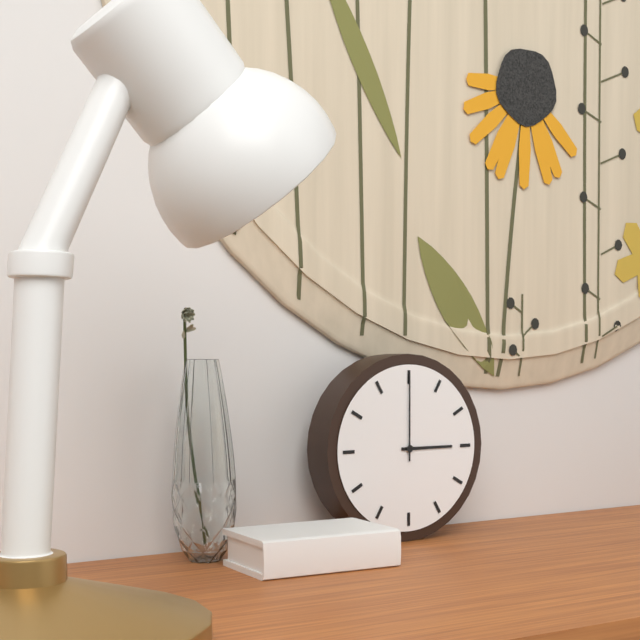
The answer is 3h00
